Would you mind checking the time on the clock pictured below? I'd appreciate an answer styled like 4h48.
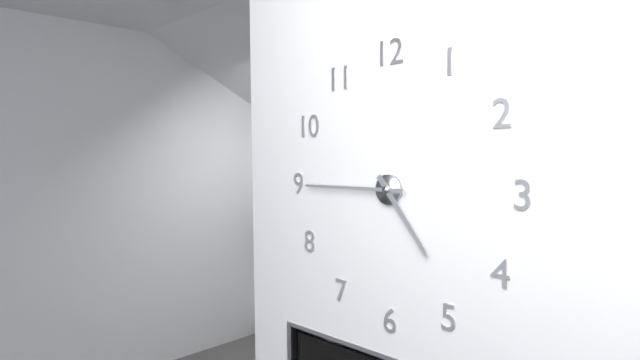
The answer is 4h45
